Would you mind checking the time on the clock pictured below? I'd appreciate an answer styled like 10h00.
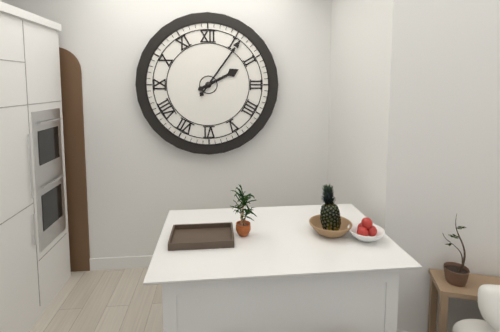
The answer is 2h06
